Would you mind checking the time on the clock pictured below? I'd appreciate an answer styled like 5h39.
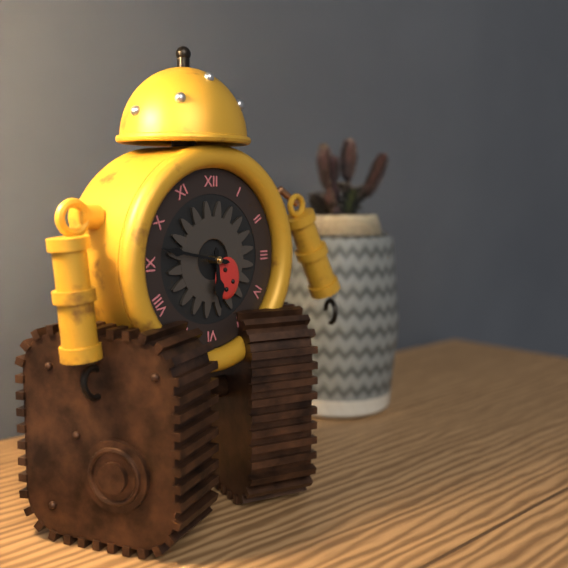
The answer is 5h47
